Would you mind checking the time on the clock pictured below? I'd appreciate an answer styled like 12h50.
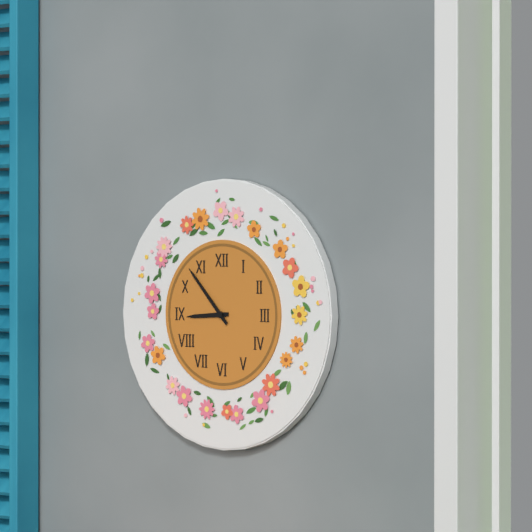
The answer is 8h53
